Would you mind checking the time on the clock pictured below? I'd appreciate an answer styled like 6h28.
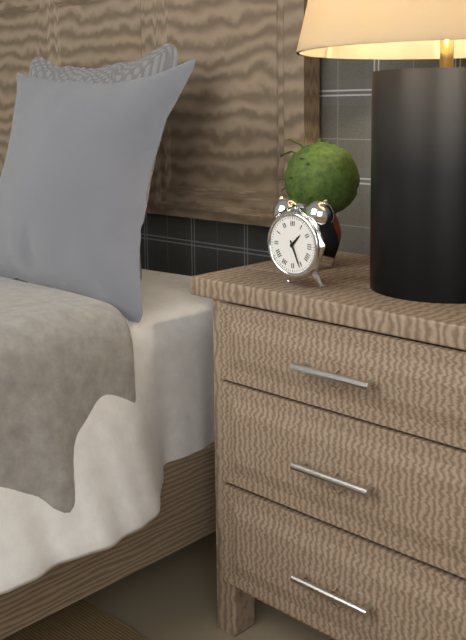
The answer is 1h26
